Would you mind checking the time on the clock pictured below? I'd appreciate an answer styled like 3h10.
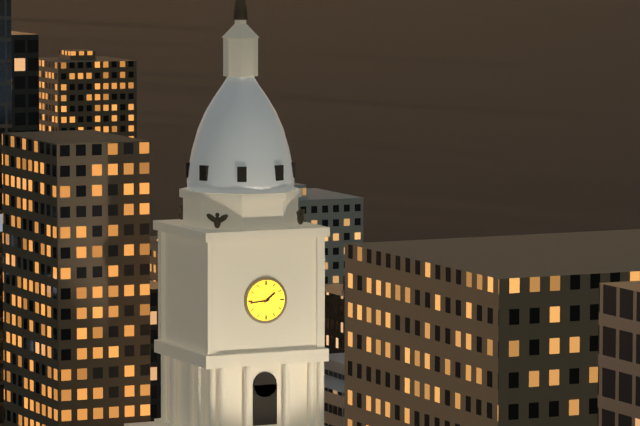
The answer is 1h44
